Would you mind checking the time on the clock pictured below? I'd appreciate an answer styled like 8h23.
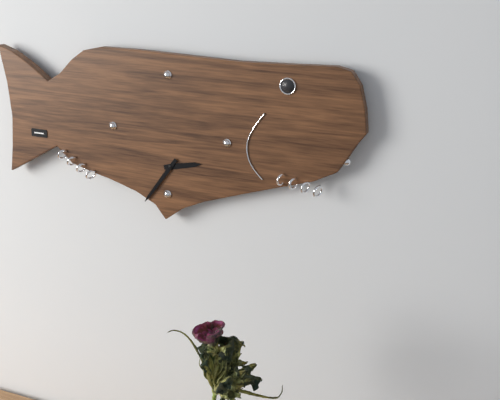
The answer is 2h36
